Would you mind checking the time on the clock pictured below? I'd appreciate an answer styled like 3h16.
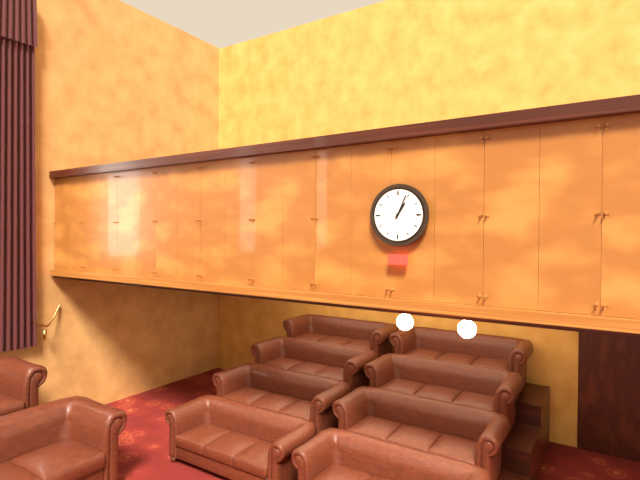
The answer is 1h04
